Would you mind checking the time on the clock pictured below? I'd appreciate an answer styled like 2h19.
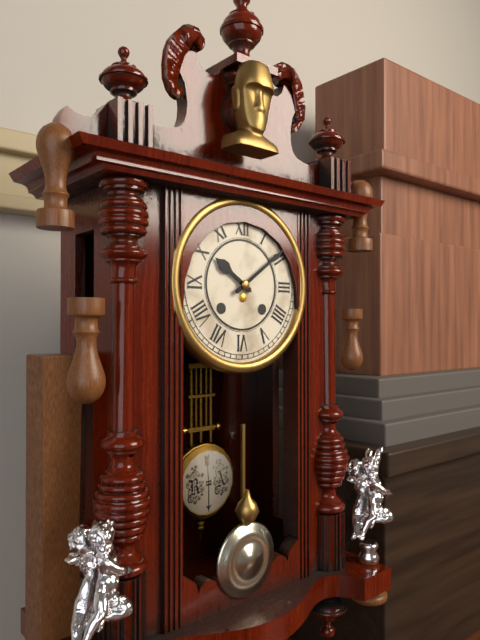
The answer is 10h09
